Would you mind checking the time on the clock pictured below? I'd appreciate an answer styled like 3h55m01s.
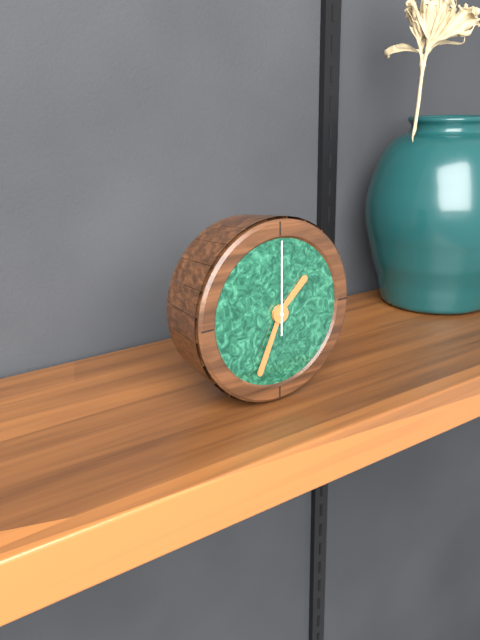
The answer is 1h34m00s
